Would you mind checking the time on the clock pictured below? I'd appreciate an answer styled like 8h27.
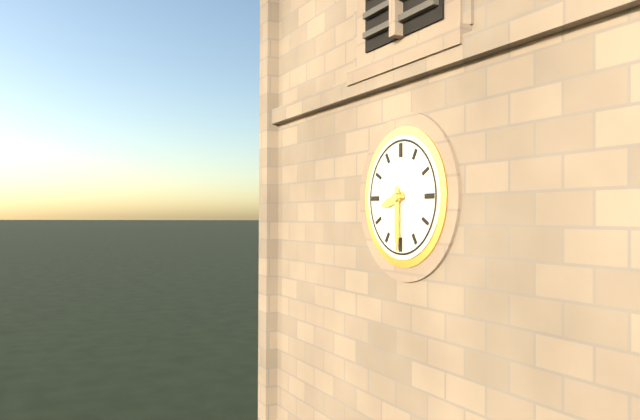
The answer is 8h30
